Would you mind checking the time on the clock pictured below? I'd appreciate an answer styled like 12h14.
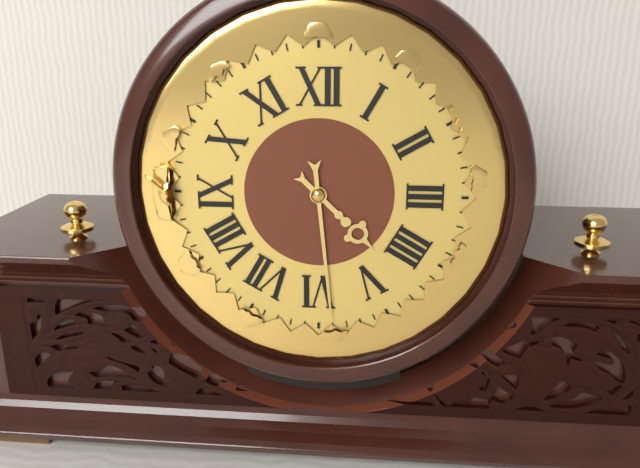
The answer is 4h29
